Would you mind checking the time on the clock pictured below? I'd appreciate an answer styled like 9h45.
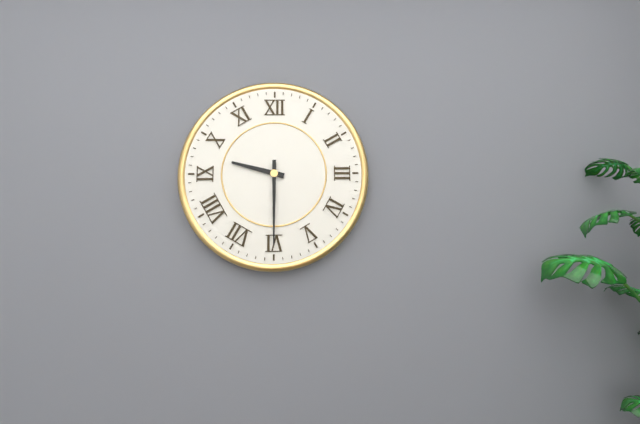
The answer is 9h30
